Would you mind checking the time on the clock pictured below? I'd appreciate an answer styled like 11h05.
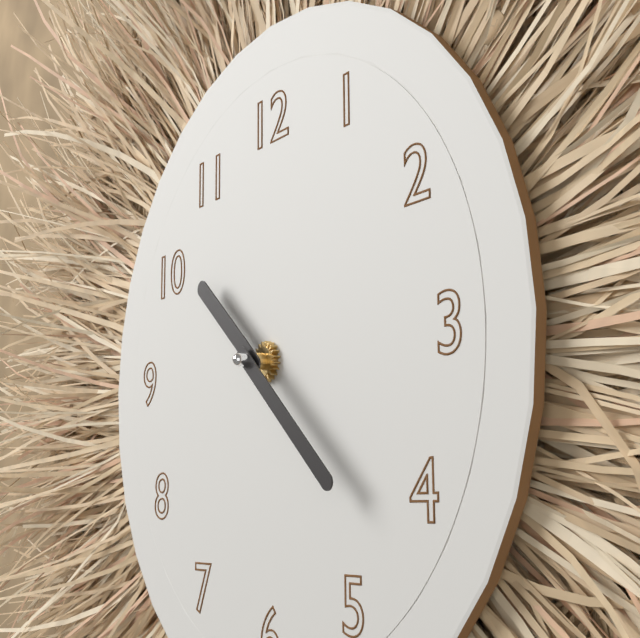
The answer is 10h22
